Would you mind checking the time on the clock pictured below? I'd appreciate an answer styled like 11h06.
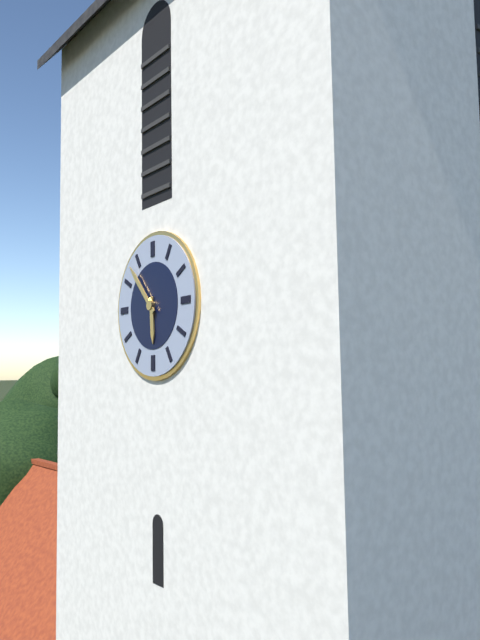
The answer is 5h53
